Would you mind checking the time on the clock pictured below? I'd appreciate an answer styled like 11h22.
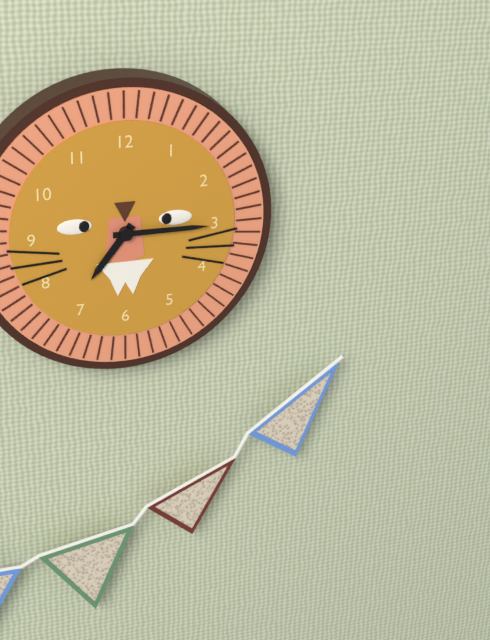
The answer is 7h15
